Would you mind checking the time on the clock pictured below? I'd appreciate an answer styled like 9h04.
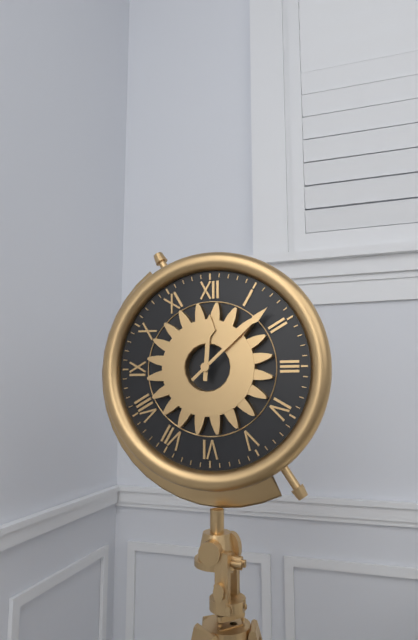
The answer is 12h08
